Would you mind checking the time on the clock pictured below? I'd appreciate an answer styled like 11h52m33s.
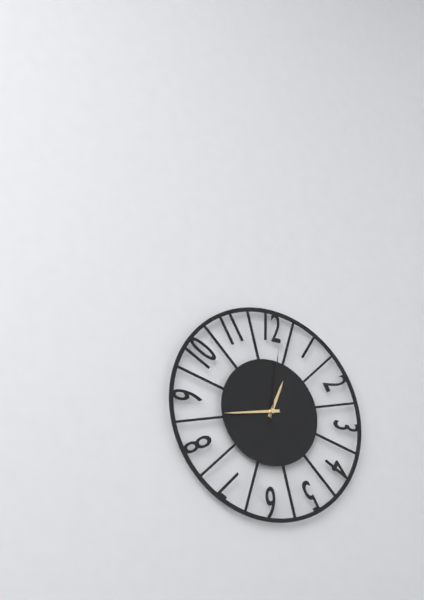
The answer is 12h43m01s
